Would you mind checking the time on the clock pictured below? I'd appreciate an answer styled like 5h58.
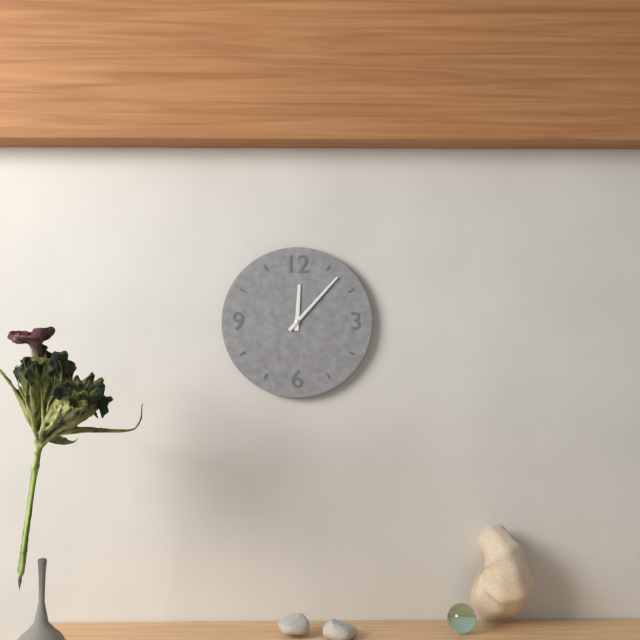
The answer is 12h07
